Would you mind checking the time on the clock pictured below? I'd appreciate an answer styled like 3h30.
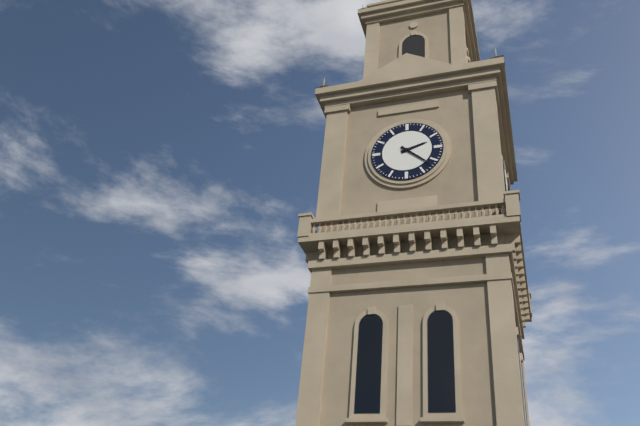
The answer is 2h22
